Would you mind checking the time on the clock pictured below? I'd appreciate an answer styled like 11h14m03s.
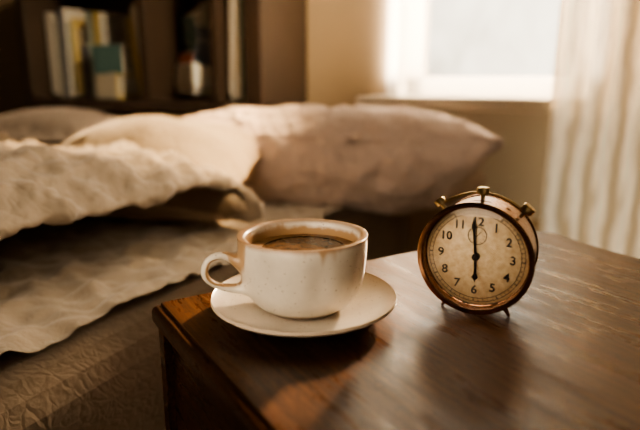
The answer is 5h59m27s
